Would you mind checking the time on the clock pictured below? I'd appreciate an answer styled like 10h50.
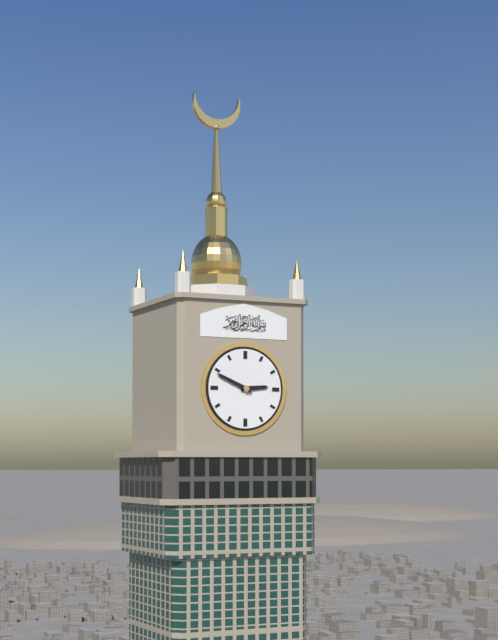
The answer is 2h49
